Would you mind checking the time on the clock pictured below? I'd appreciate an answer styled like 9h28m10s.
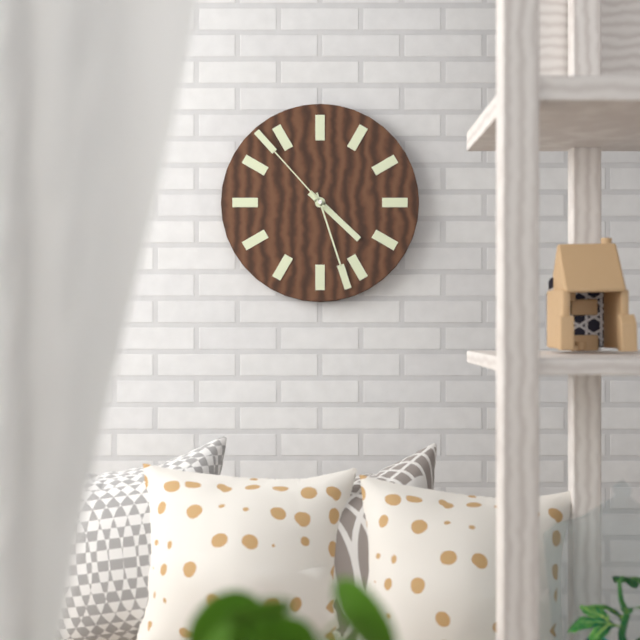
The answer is 4h27m53s
